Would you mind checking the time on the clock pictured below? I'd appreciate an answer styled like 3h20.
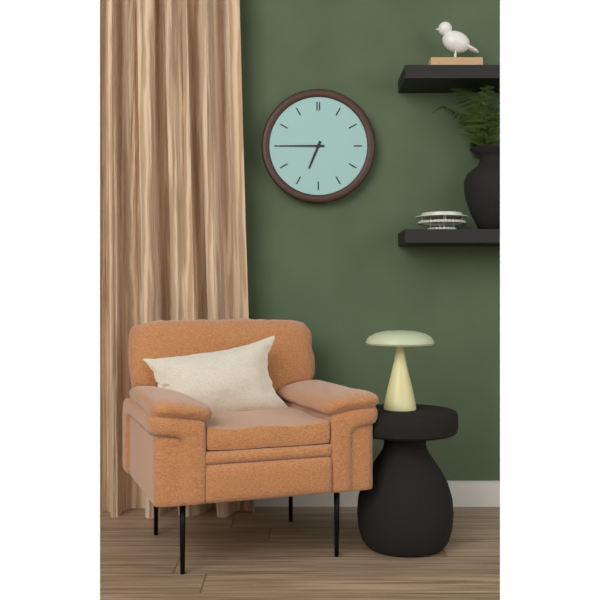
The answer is 6h45
